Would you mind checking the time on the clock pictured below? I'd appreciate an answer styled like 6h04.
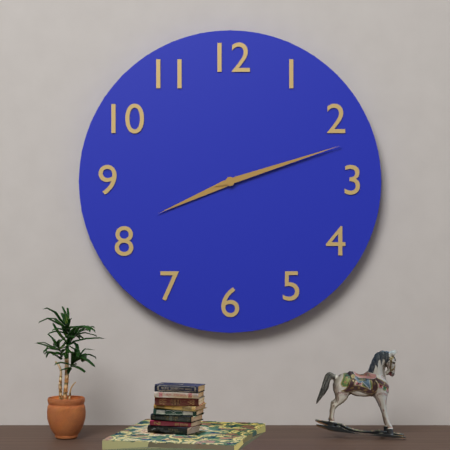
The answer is 8h12
